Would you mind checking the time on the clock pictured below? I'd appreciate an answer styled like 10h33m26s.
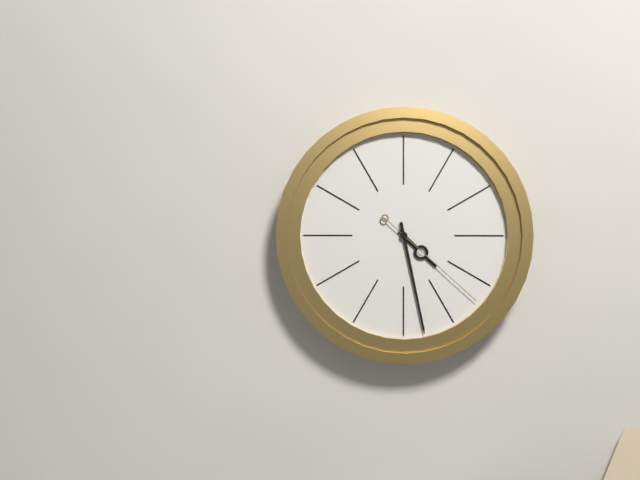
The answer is 4h28m22s
